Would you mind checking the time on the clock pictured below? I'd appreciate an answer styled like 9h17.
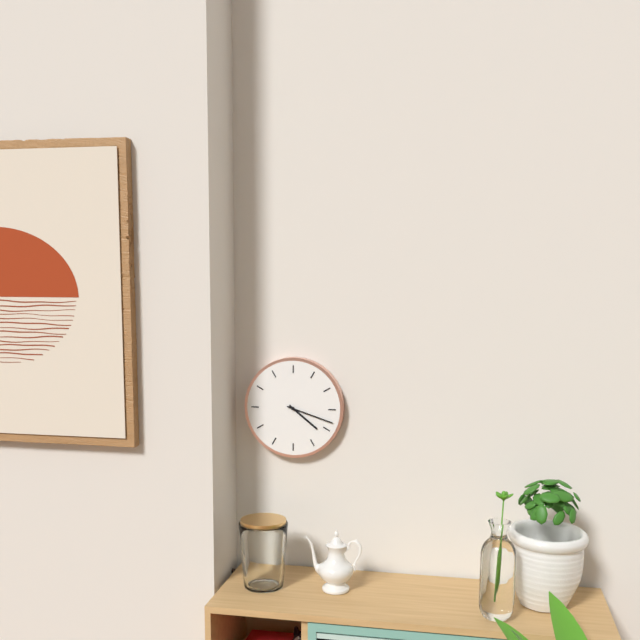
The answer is 4h18
